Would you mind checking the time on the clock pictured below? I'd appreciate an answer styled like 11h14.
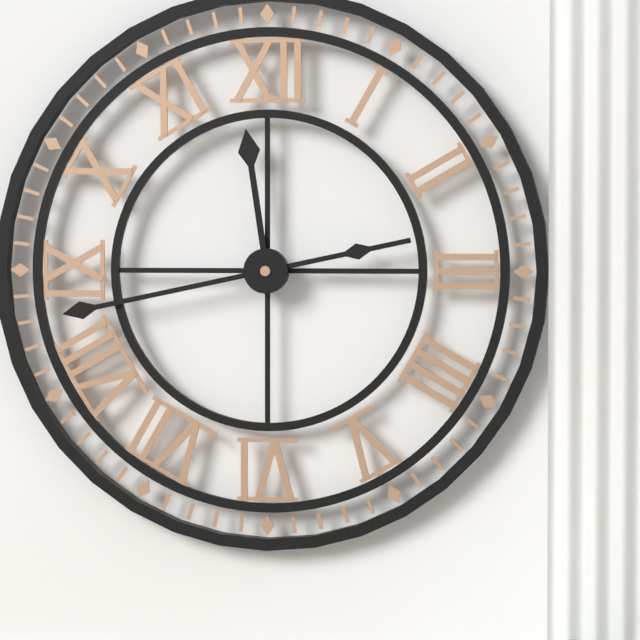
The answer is 11h43
